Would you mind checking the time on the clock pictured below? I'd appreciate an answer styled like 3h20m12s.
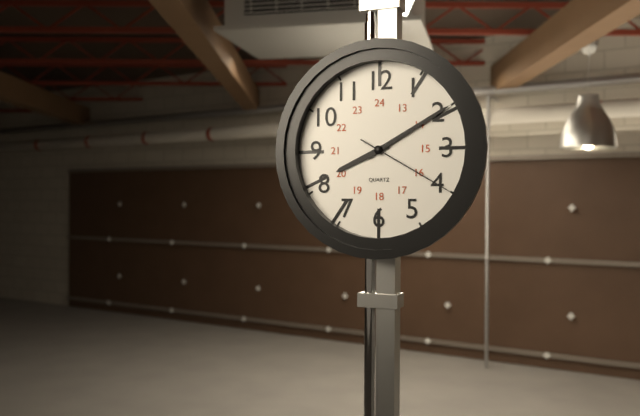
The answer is 8h10m20s
